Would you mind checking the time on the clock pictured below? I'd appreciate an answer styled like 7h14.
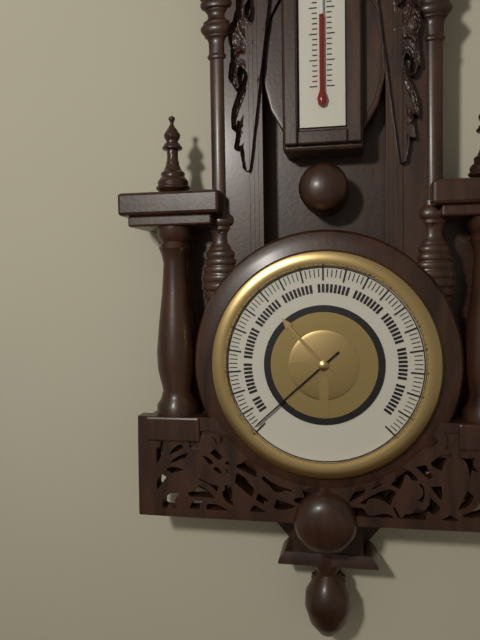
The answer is 10h38
